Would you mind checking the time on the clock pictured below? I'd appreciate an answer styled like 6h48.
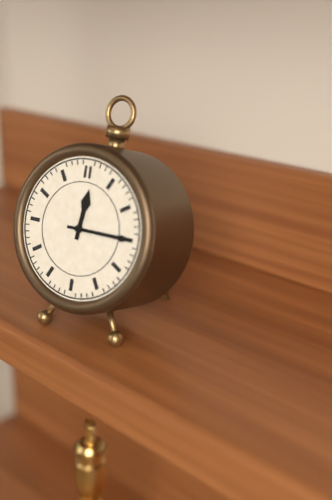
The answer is 12h15
